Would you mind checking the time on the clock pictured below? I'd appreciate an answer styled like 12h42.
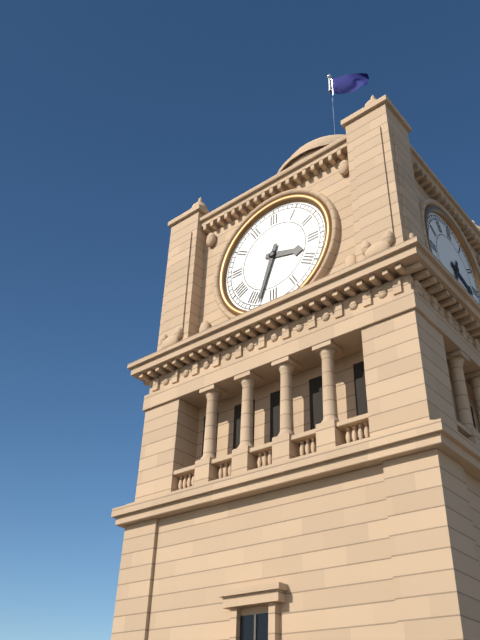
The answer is 3h33
